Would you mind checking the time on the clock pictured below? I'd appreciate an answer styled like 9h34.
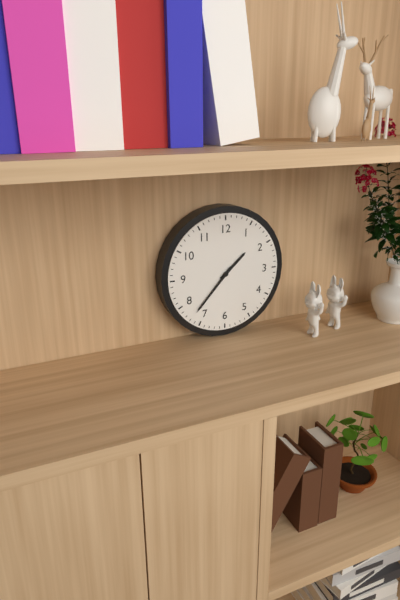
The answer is 1h37
